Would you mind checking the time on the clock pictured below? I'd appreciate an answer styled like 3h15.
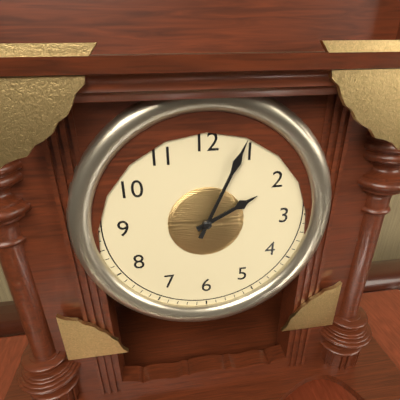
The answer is 2h04
